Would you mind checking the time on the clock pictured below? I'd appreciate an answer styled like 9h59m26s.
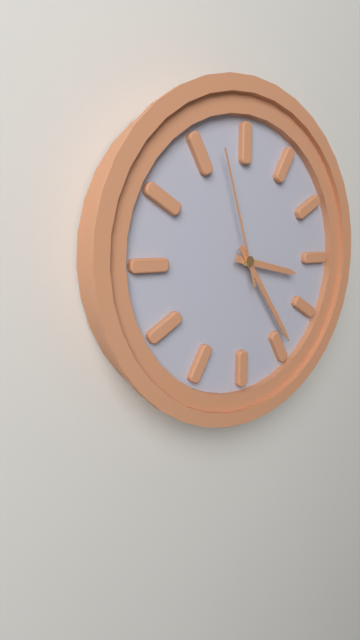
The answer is 3h24m57s
